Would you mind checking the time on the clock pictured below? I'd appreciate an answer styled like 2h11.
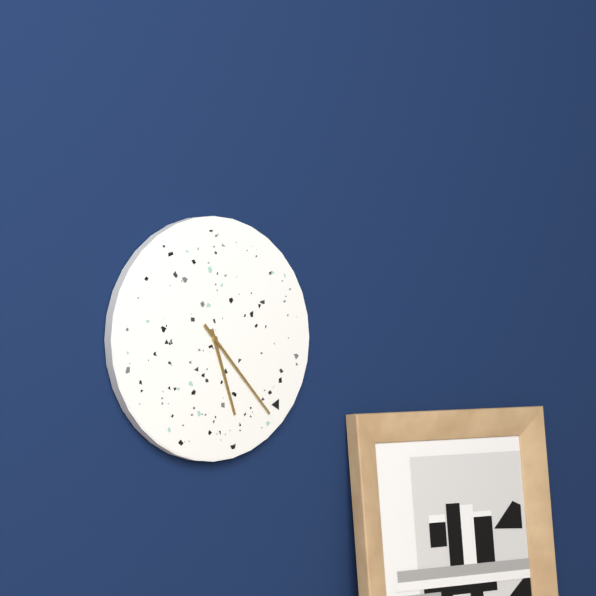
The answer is 5h23
